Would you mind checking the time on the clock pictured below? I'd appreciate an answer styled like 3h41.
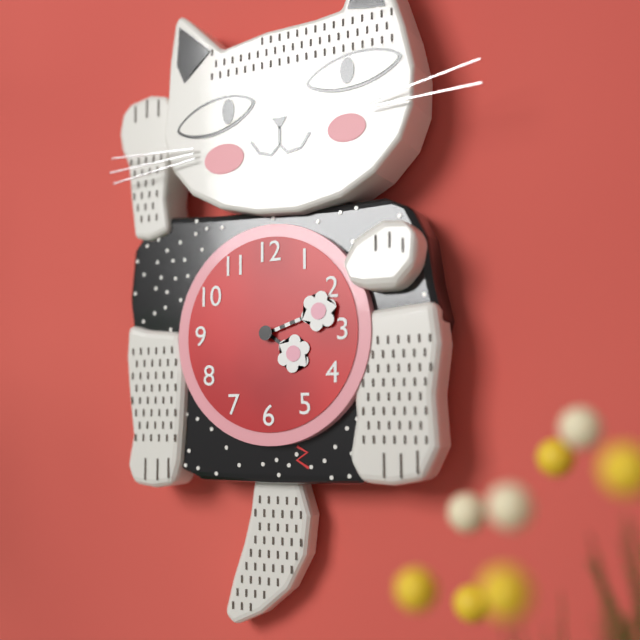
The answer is 4h12
